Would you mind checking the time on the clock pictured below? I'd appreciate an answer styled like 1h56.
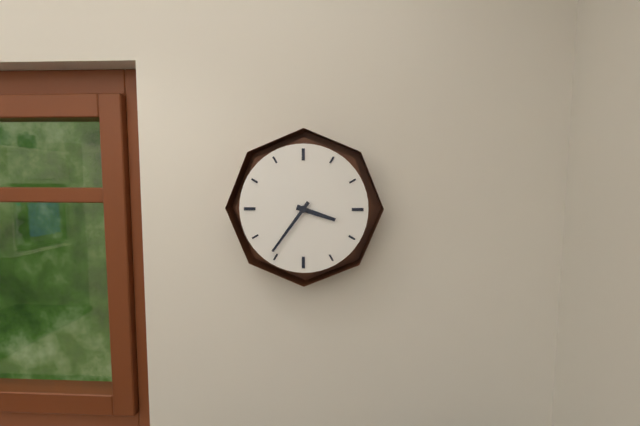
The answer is 3h36
